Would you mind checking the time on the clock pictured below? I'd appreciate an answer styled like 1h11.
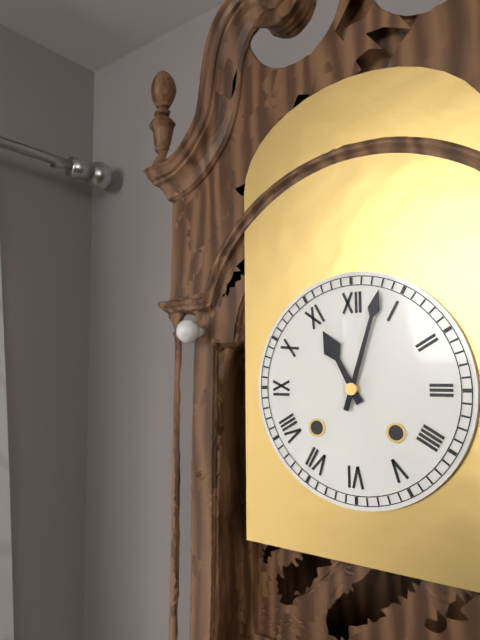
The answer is 11h03
